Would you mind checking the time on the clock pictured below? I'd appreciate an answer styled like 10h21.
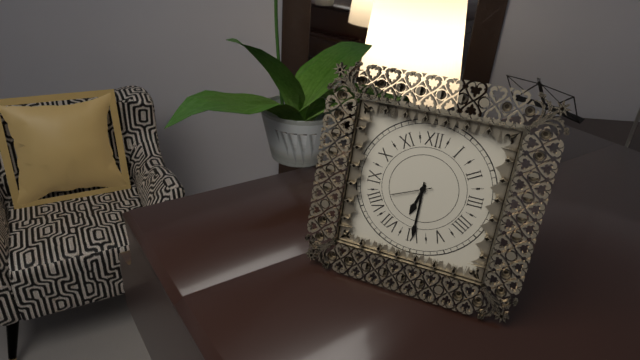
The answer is 6h30
